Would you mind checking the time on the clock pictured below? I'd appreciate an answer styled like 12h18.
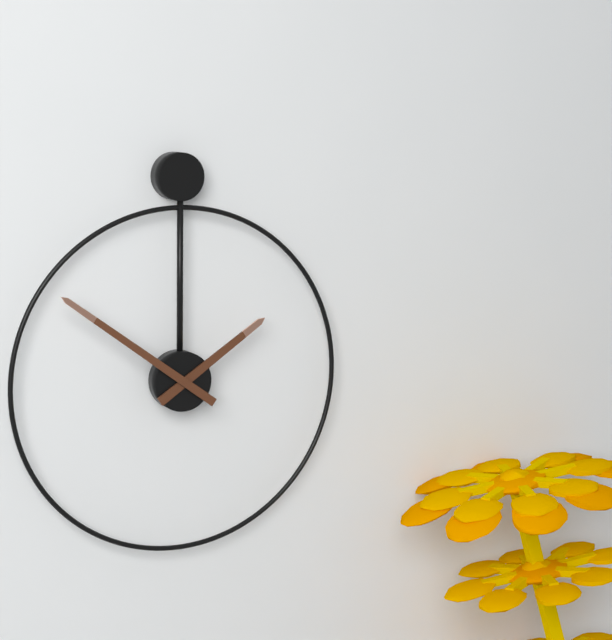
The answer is 1h51
